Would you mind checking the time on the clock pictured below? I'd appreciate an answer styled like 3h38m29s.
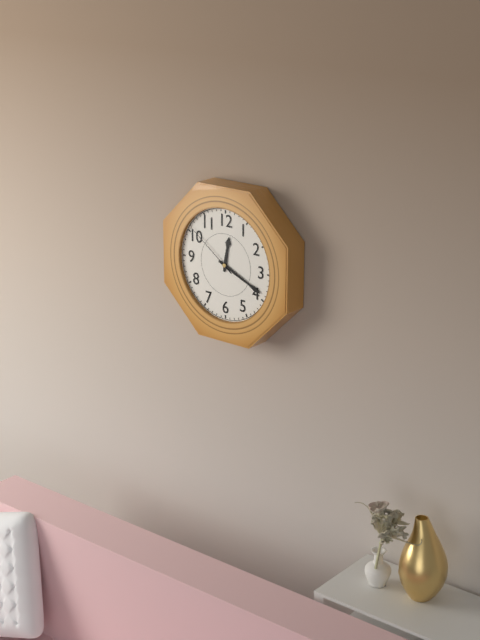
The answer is 12h19m51s
